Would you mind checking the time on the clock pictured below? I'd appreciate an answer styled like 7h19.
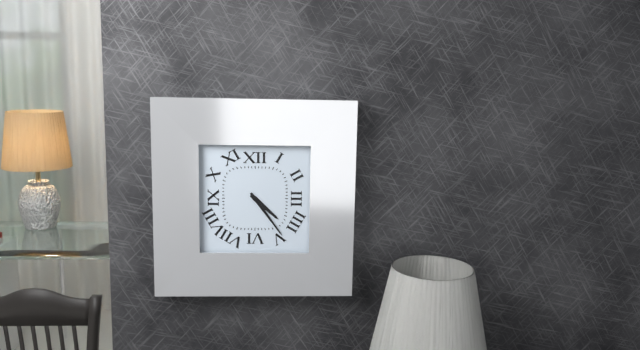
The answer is 4h24
